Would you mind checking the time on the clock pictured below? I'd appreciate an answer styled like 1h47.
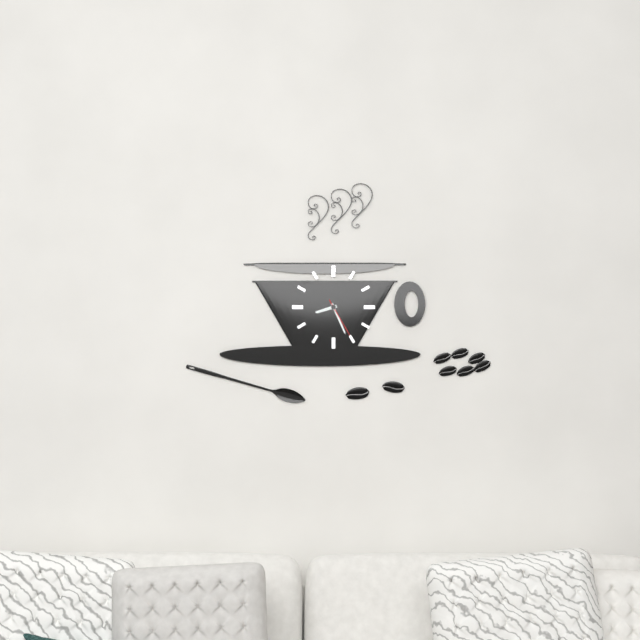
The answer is 8h26
